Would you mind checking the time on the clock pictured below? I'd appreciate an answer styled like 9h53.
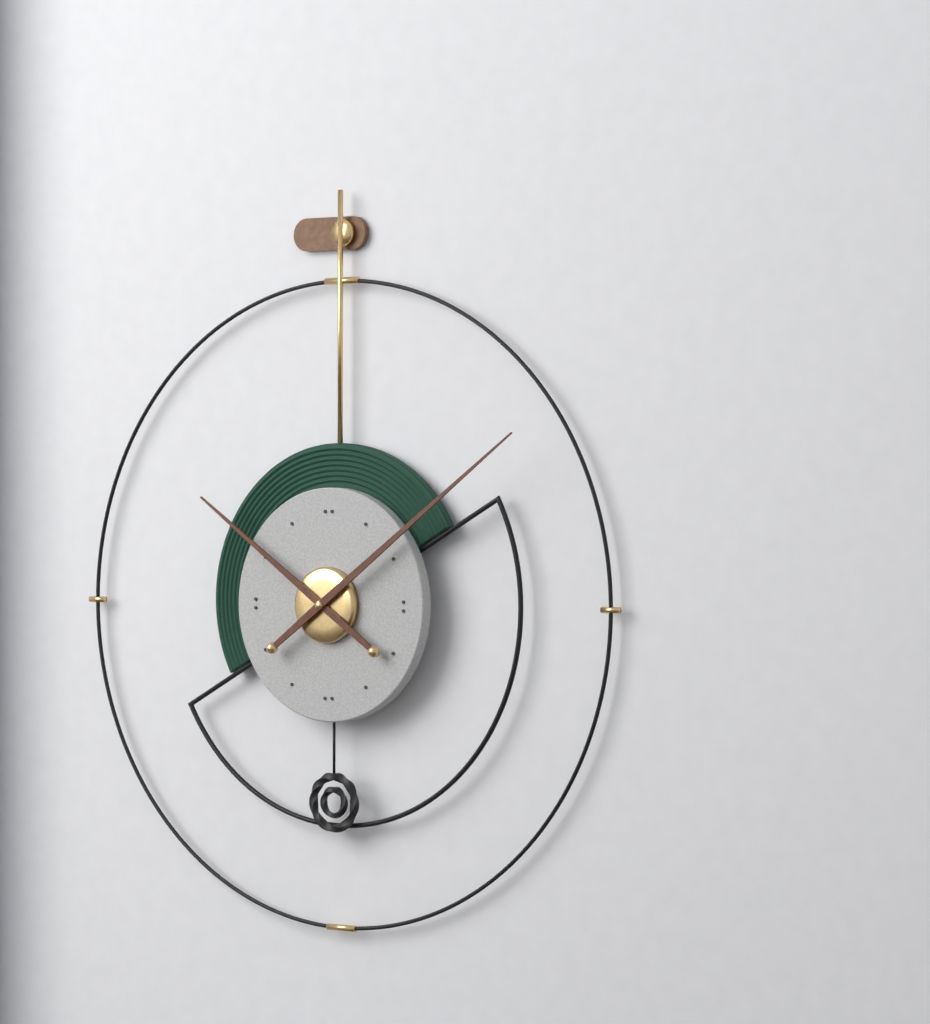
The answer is 10h09
